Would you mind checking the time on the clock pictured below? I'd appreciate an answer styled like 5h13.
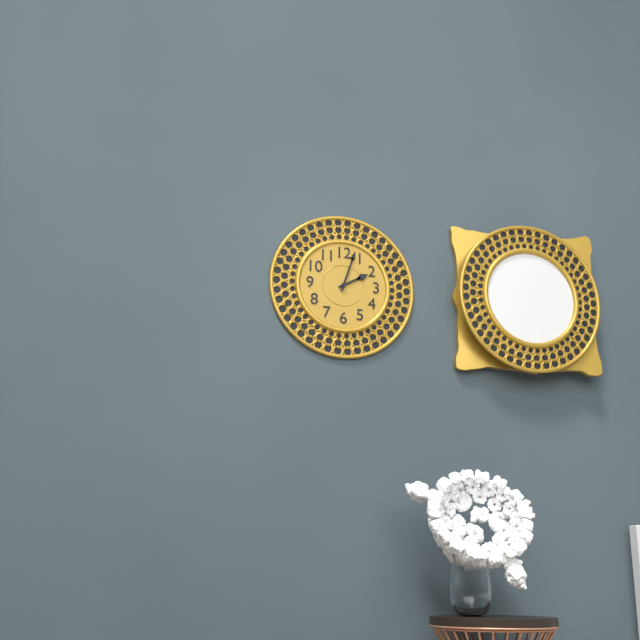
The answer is 2h03
